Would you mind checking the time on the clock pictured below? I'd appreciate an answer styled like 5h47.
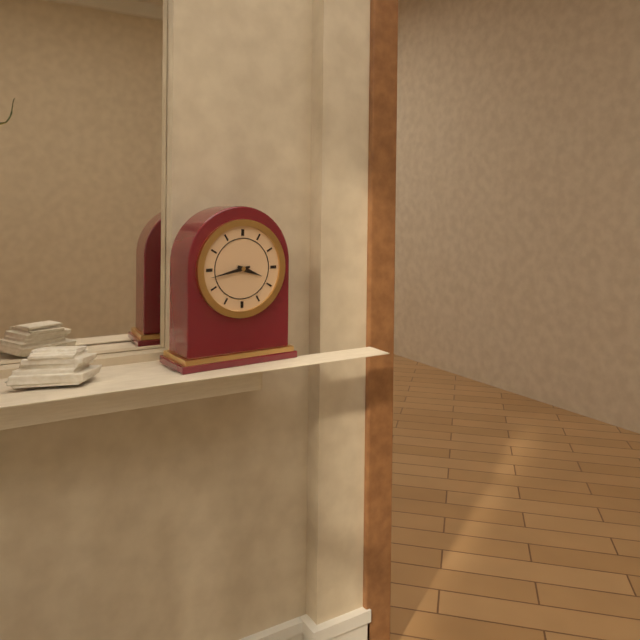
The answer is 3h43
